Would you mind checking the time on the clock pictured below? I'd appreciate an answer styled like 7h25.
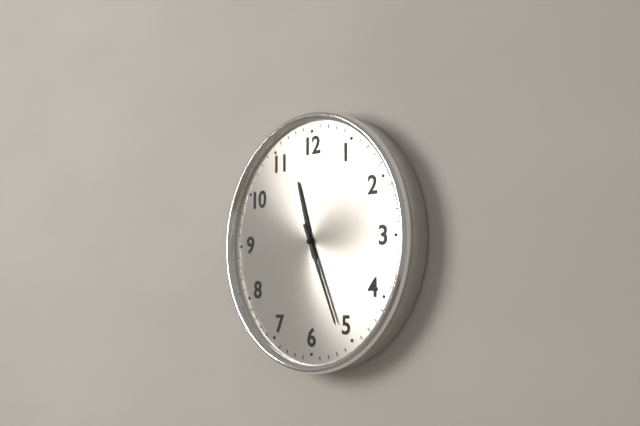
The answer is 11h26
